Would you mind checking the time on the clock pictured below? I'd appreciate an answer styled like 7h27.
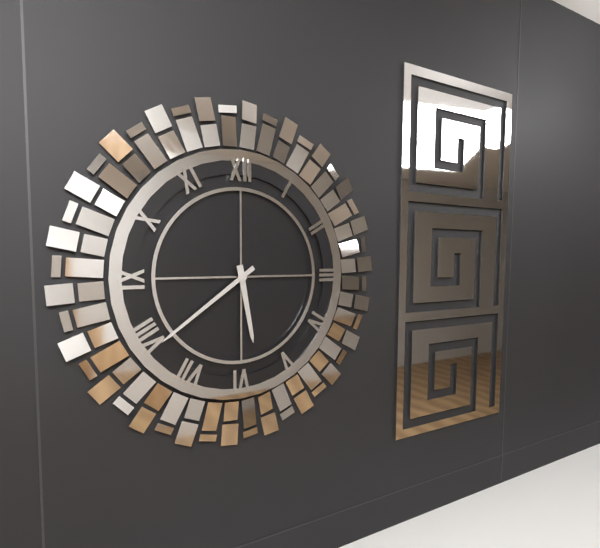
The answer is 5h39
